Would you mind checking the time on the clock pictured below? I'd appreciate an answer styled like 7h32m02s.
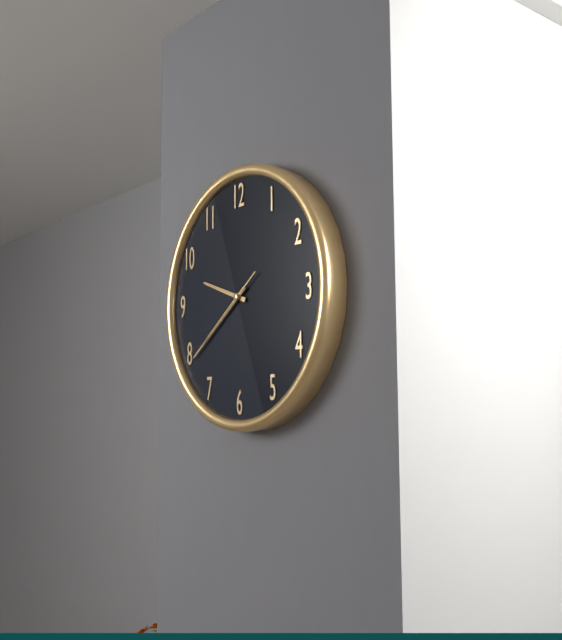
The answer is 9h39m39s
